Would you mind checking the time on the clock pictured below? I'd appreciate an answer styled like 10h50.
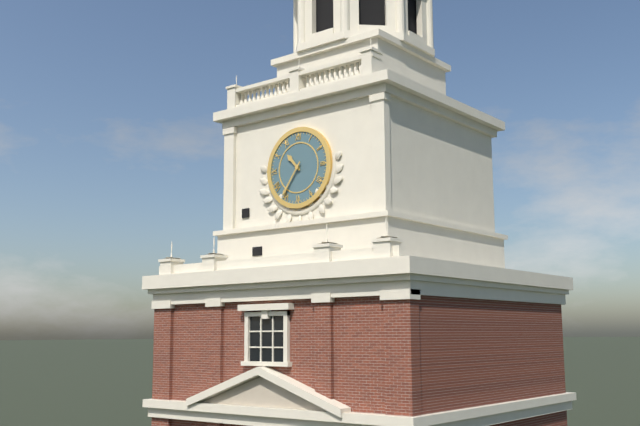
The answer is 10h36
